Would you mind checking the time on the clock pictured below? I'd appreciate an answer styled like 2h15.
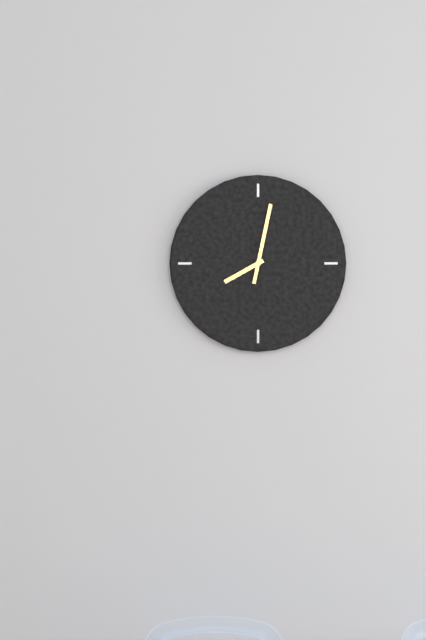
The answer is 8h02
